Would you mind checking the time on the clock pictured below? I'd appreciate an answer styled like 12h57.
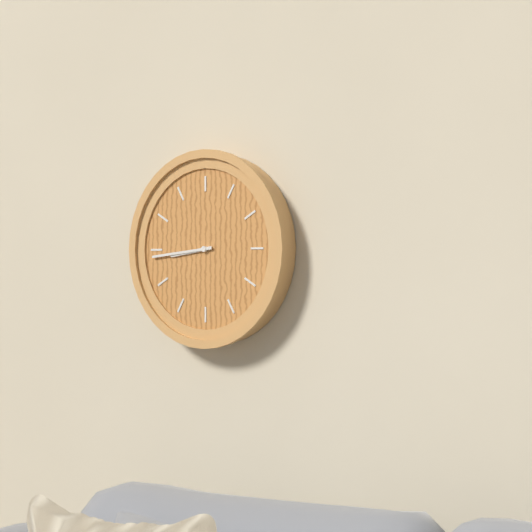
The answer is 8h44
